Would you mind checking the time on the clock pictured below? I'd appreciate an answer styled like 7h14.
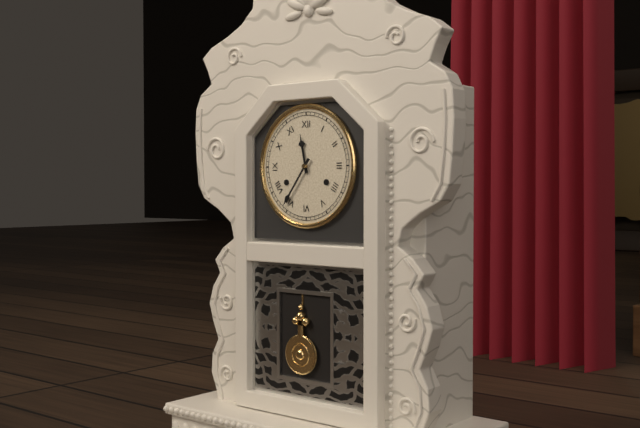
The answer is 11h36
